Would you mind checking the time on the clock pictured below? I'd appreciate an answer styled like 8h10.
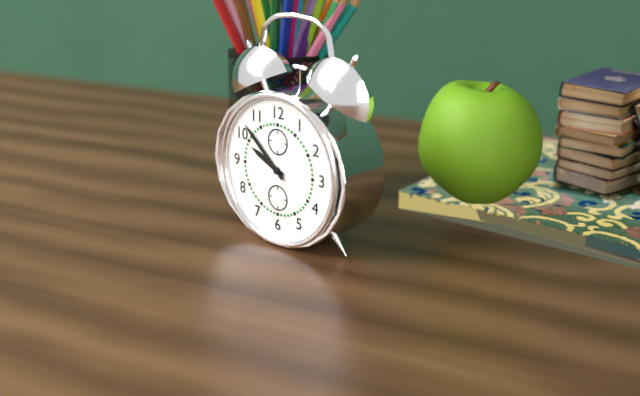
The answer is 9h52
